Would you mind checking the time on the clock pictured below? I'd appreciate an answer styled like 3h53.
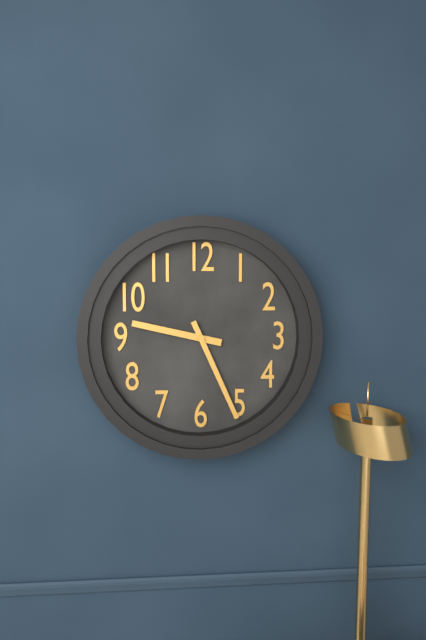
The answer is 9h26
